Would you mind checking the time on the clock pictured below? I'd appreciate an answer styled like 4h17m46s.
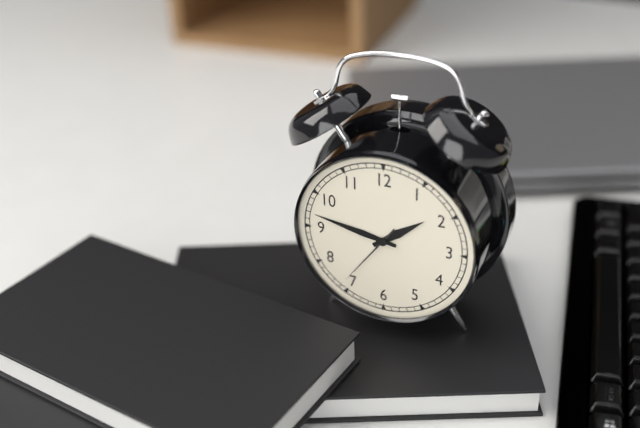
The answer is 1h47m36s
